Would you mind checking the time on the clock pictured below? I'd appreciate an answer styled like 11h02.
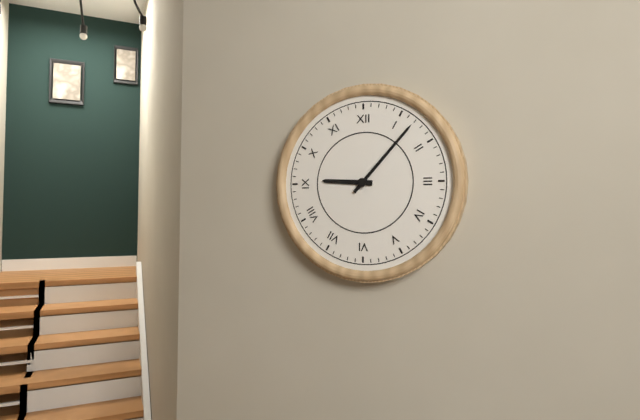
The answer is 9h07
